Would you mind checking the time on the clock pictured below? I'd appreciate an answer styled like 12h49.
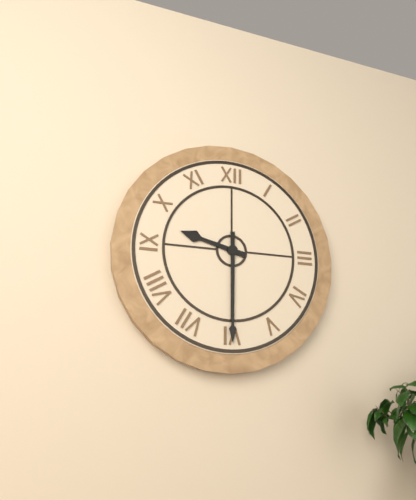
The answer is 9h30
